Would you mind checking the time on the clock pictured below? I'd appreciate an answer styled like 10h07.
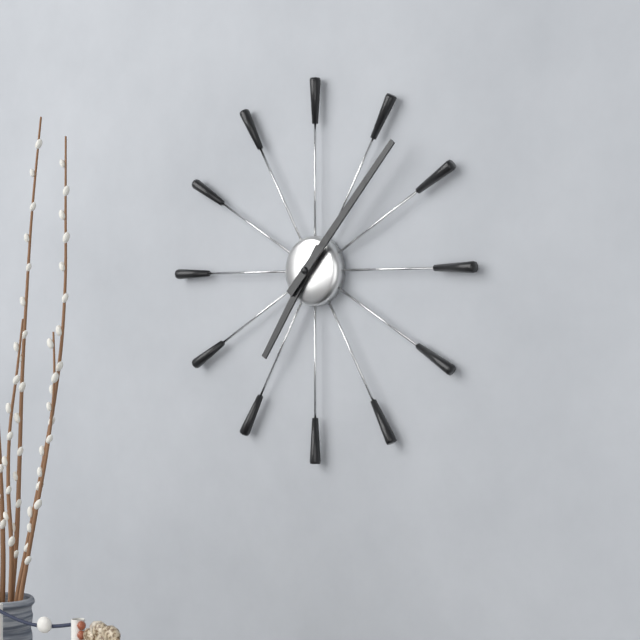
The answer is 7h07
